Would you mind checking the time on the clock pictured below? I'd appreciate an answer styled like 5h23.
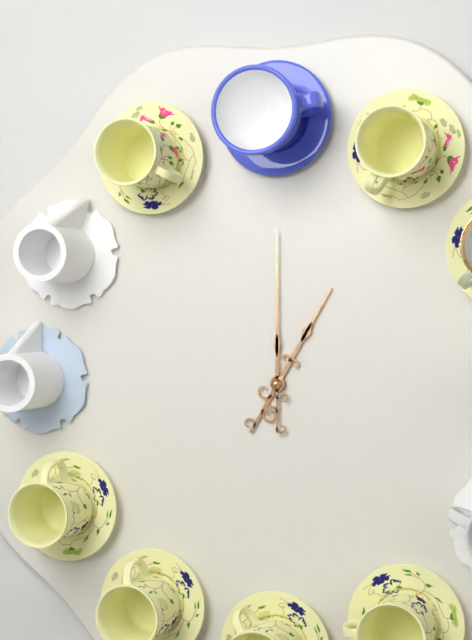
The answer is 1h00
